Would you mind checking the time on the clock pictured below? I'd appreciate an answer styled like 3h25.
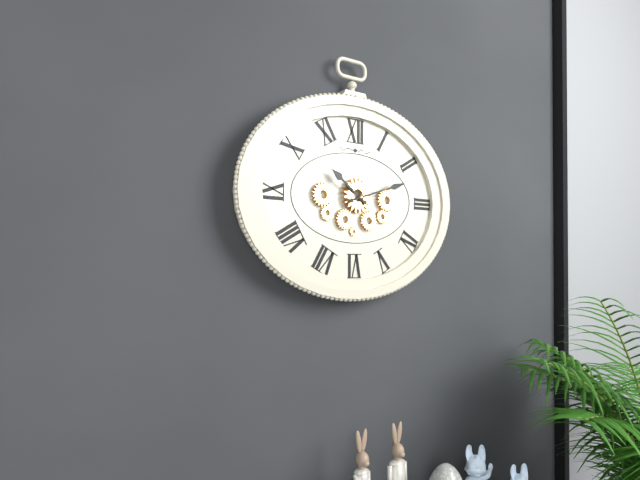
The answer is 10h12
